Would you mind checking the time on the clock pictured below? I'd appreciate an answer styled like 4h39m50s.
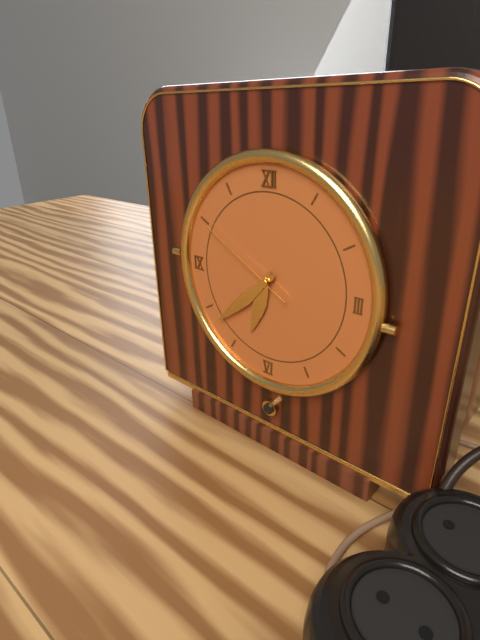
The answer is 6h38m50s
